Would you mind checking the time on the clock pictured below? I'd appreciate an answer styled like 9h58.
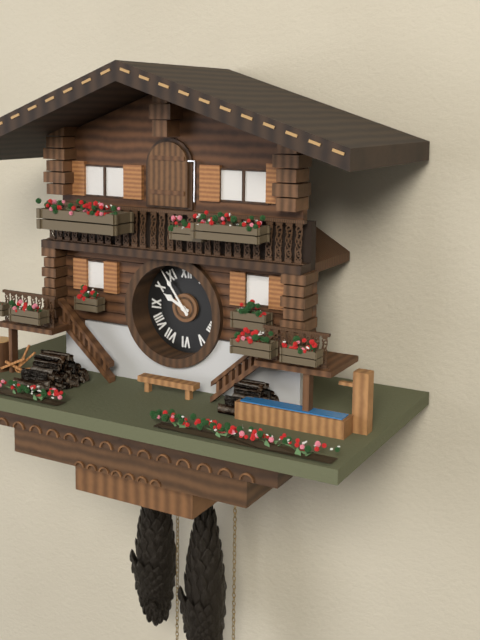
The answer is 9h54
